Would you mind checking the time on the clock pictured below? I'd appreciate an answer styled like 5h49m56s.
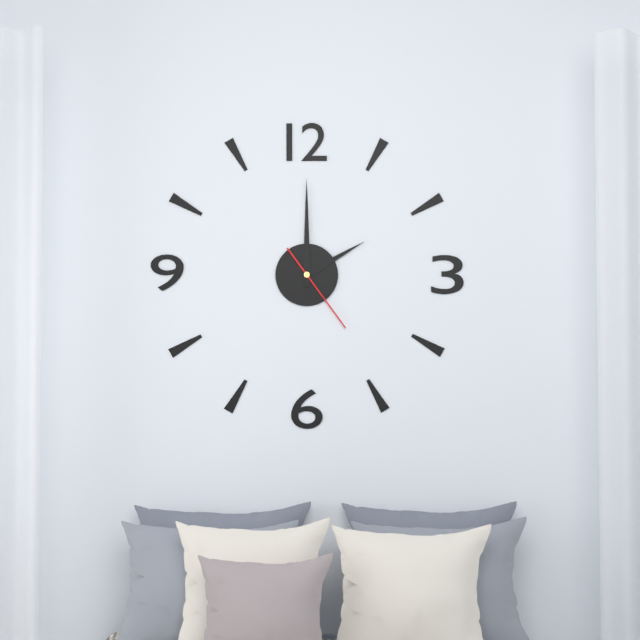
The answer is 2h00m24s
